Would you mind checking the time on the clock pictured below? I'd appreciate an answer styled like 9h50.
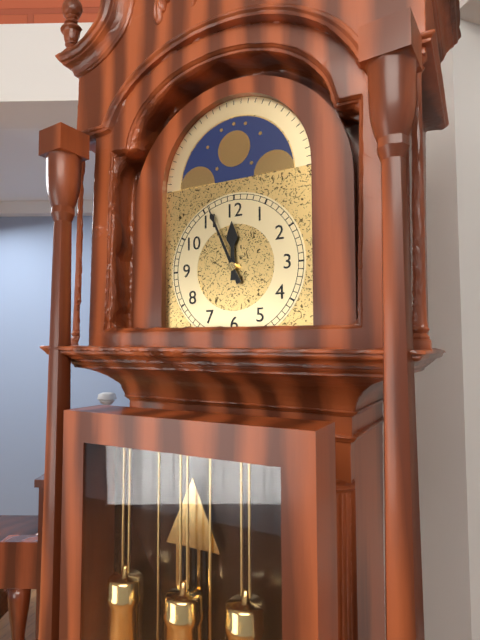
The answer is 11h56
